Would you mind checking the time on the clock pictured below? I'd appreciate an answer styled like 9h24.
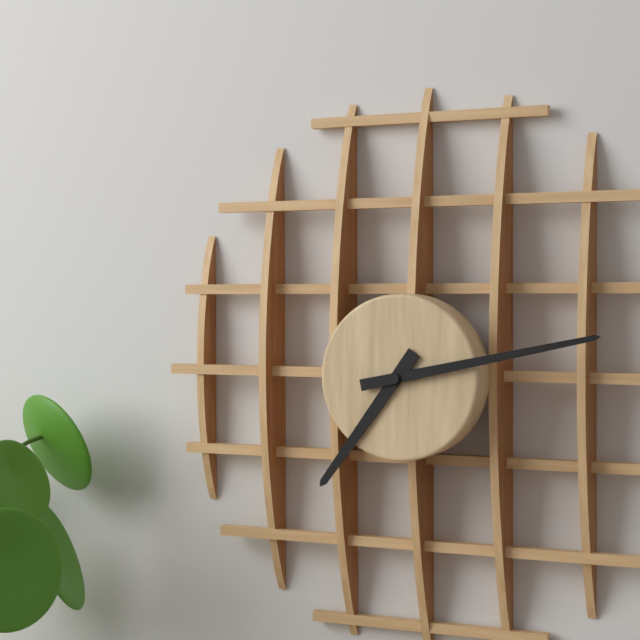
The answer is 7h13
